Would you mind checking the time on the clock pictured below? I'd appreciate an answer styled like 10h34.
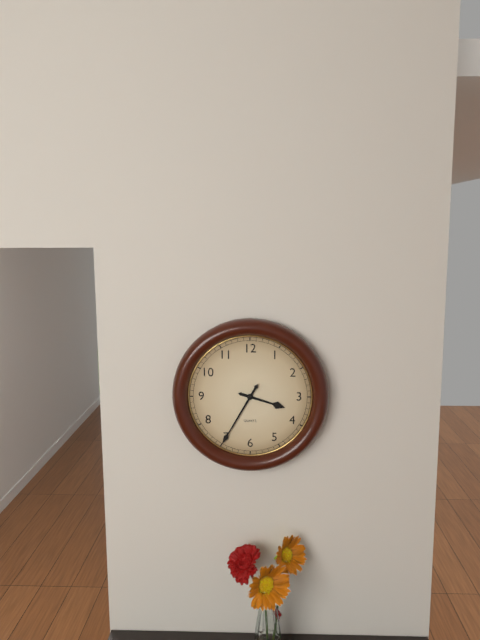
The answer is 3h35
